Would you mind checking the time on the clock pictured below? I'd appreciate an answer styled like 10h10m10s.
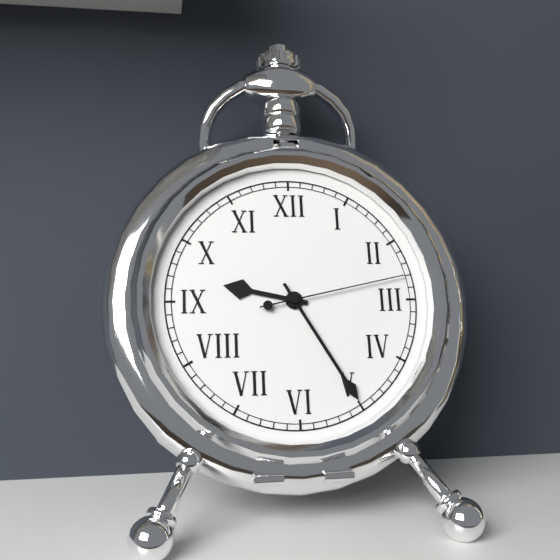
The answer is 9h25m13s
